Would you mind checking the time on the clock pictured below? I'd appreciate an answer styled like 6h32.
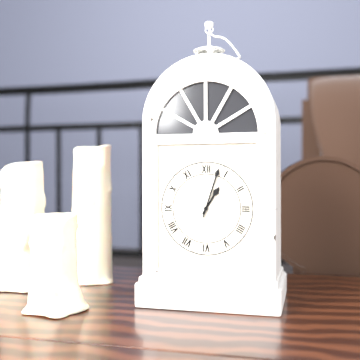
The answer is 1h03
